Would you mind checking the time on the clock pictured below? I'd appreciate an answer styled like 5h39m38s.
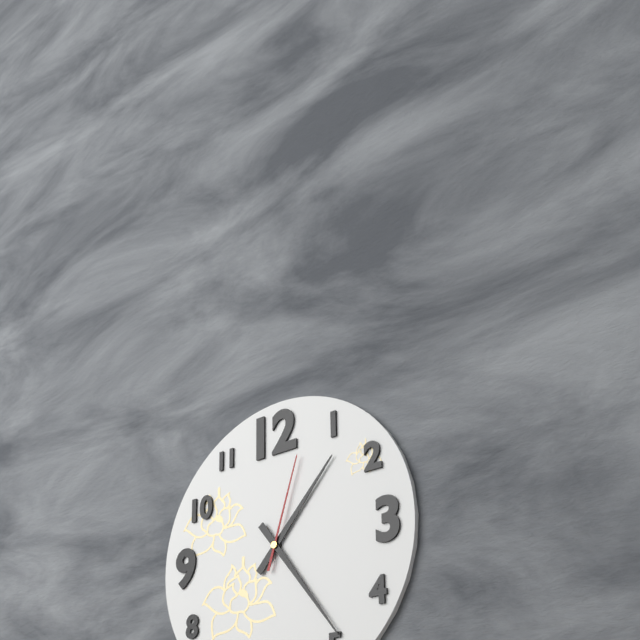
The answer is 1h24m03s
